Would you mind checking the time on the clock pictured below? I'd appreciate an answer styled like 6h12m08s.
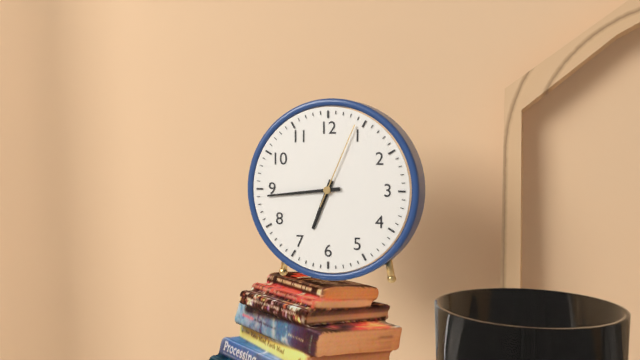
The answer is 6h44m04s
